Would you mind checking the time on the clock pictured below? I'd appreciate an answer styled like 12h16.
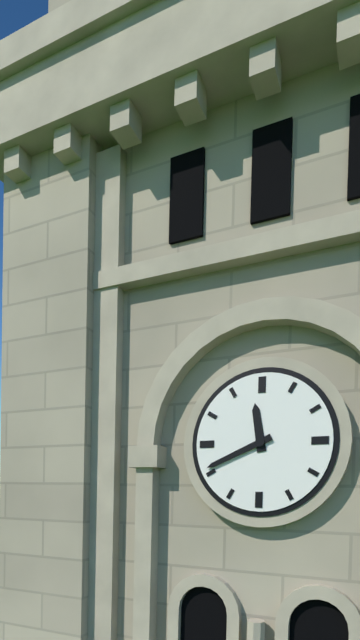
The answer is 11h41
